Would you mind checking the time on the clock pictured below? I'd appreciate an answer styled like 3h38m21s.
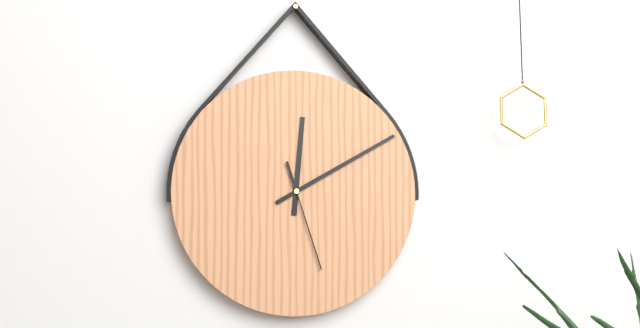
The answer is 12h10m27s
